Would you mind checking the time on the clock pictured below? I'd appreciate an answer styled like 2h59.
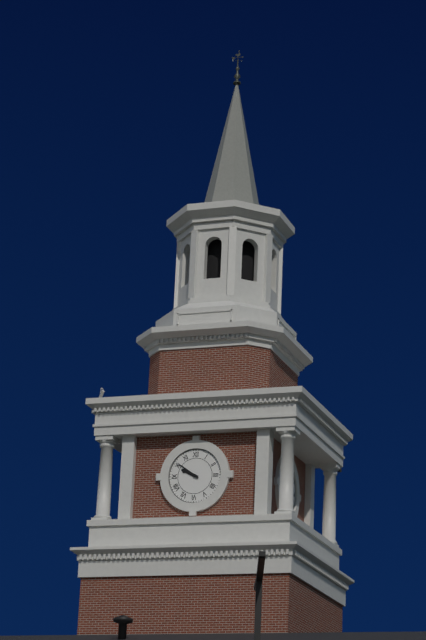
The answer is 9h51
